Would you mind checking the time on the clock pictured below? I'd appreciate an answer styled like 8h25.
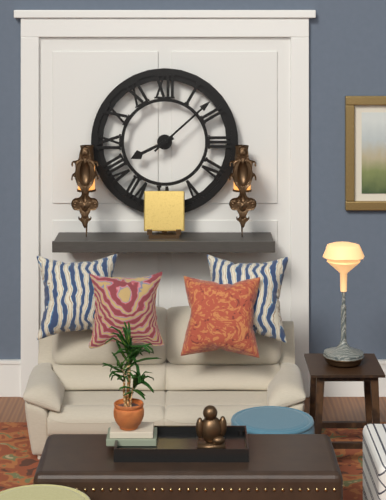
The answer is 8h08
